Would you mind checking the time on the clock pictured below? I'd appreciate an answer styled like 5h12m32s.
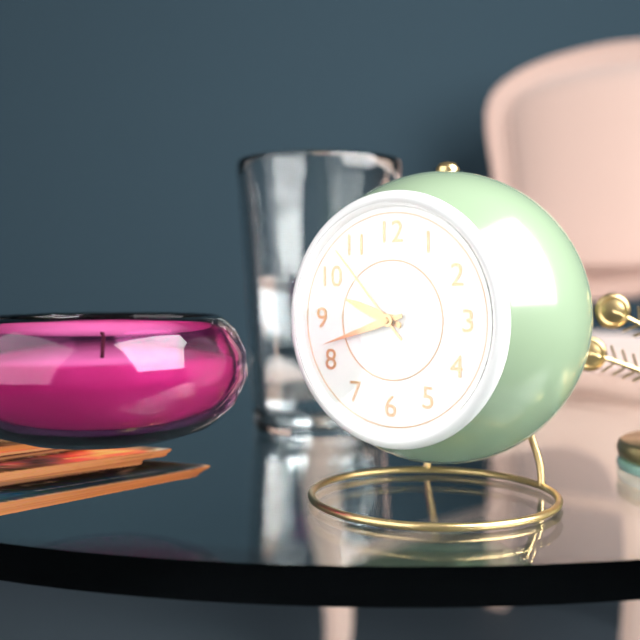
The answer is 9h42m53s
